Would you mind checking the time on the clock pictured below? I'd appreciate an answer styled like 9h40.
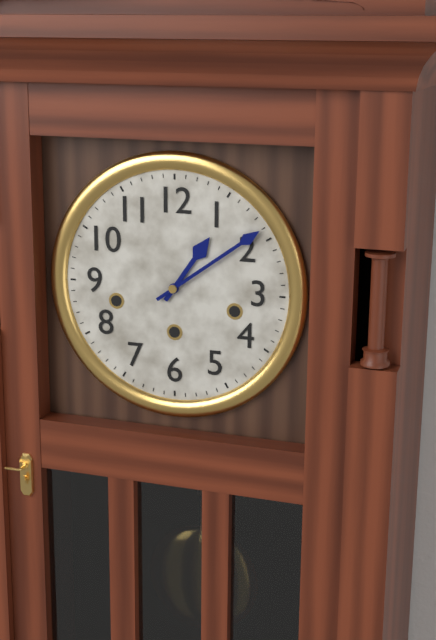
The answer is 1h09
